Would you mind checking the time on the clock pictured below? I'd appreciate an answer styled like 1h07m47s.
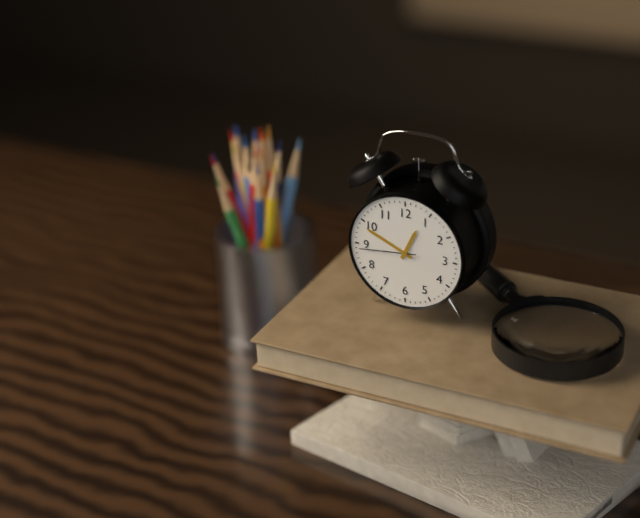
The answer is 12h49m44s
